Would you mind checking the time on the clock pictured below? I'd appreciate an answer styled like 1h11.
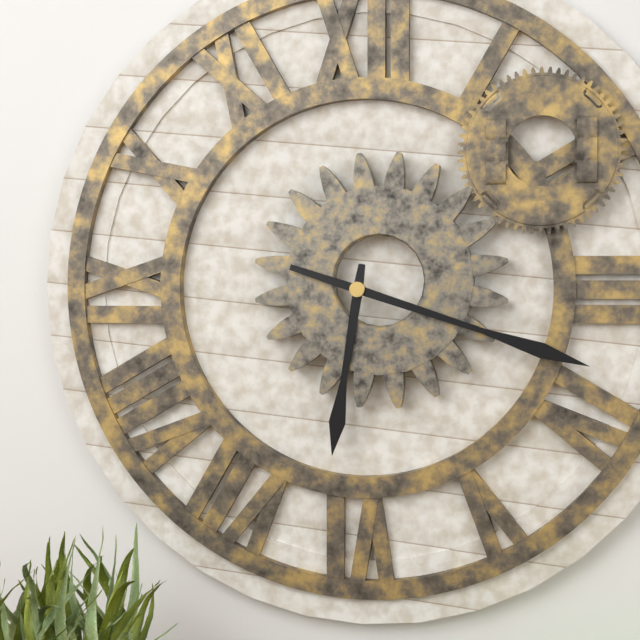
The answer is 6h18
